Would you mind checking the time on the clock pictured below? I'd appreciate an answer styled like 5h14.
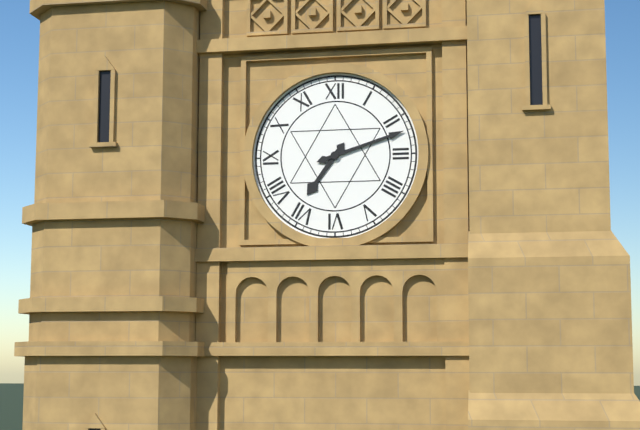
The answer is 7h12
